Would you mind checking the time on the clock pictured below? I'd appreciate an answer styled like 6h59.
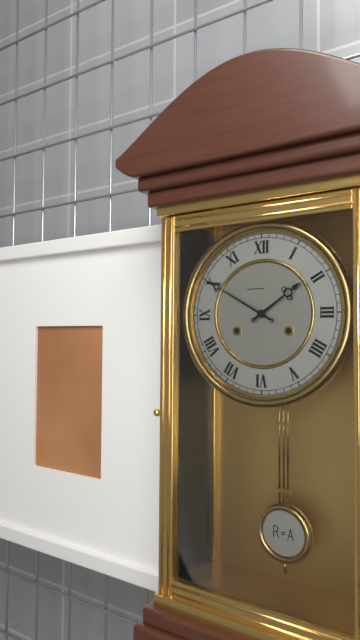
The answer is 1h50
